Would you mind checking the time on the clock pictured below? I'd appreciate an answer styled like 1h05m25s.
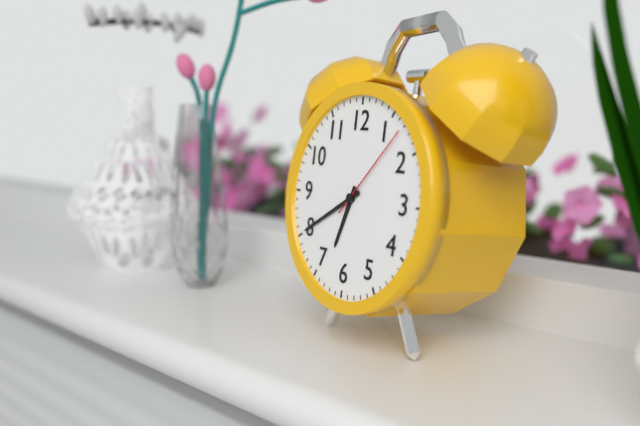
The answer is 6h40m07s
